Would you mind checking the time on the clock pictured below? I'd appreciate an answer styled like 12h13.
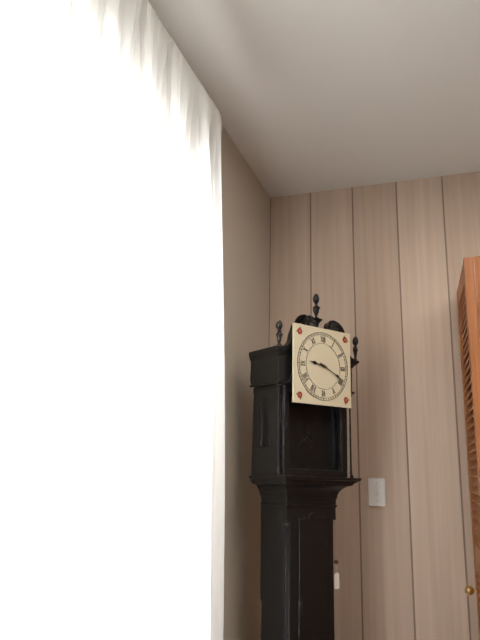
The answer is 9h19
